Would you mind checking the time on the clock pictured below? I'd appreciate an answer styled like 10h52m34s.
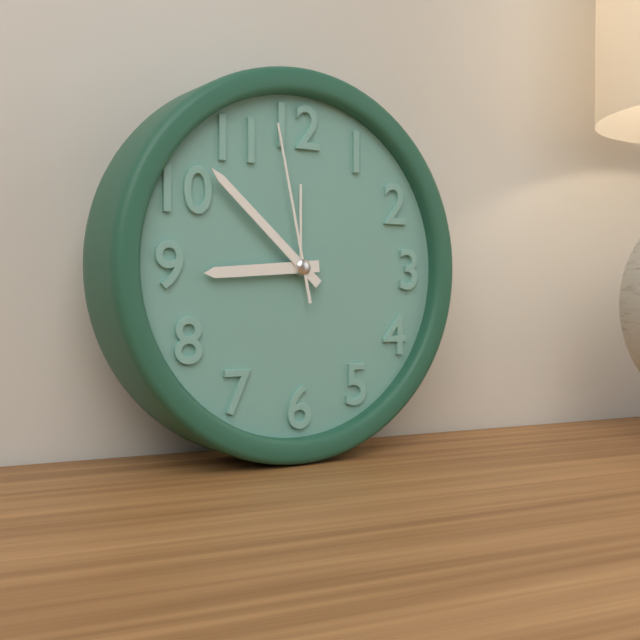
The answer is 8h52m58s
